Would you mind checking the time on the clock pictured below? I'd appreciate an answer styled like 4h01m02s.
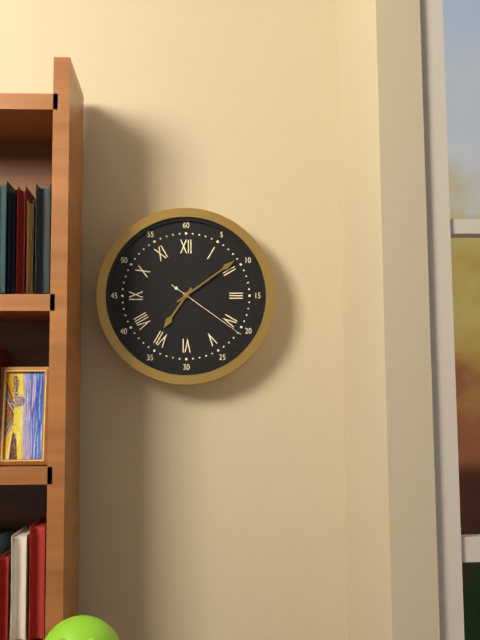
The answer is 7h09m21s
